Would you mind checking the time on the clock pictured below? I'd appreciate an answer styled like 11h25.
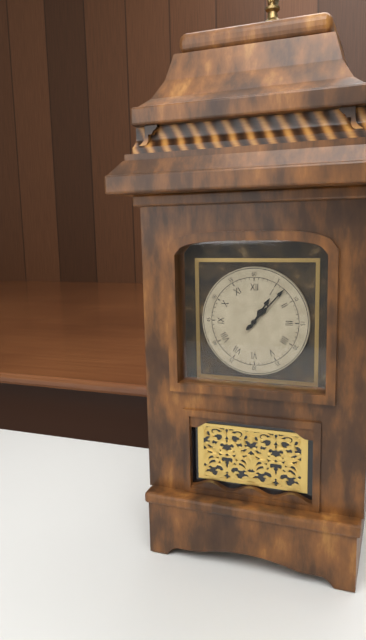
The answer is 1h07
